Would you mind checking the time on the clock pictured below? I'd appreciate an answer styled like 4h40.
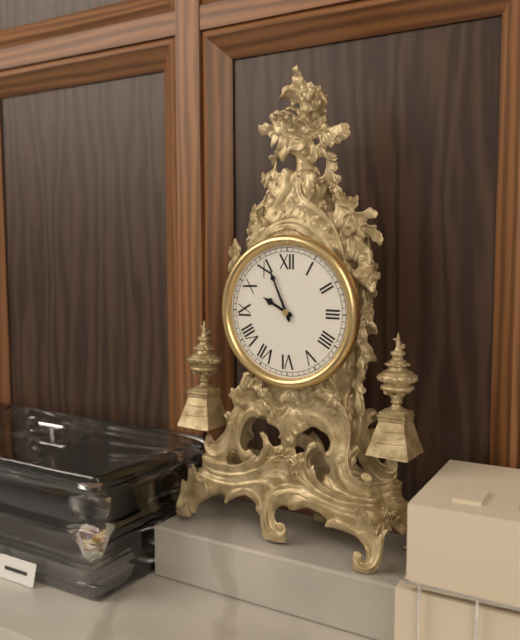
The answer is 9h56
